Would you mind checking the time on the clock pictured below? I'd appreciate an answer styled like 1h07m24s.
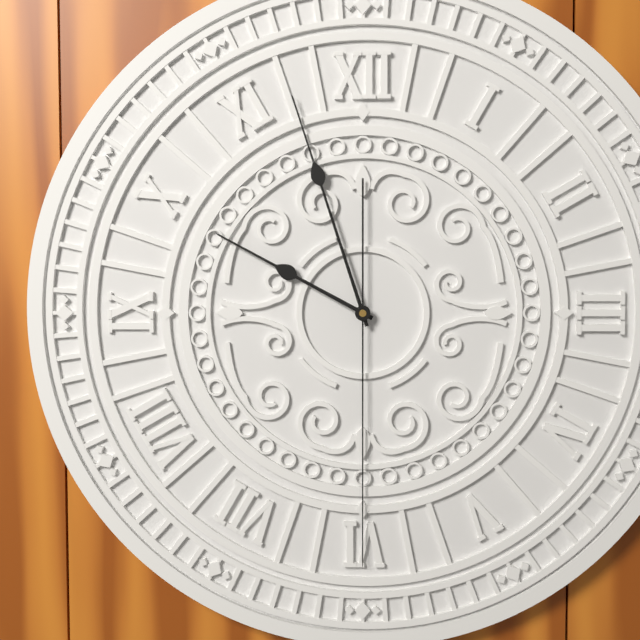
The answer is 9h57m30s
